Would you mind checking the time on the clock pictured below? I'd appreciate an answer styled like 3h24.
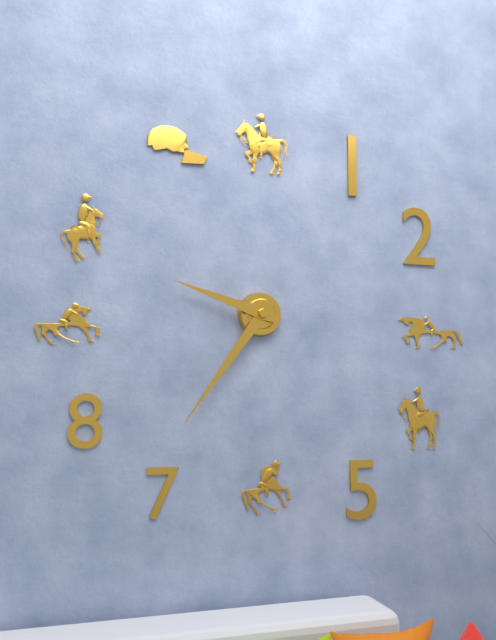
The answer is 9h36
